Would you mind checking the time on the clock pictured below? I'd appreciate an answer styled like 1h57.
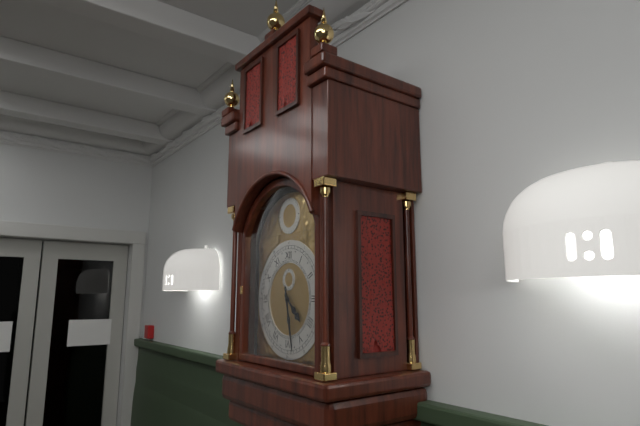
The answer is 4h28
